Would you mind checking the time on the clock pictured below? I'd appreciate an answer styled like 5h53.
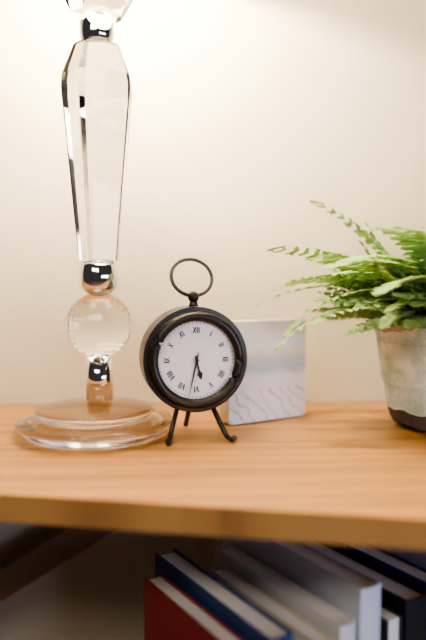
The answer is 5h32
